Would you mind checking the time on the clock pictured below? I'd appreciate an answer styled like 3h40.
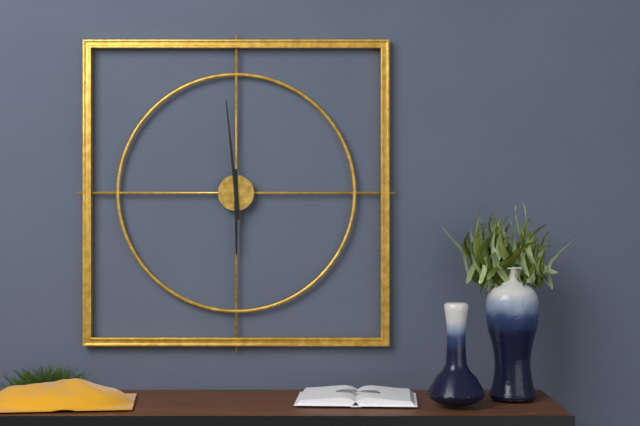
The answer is 5h59
